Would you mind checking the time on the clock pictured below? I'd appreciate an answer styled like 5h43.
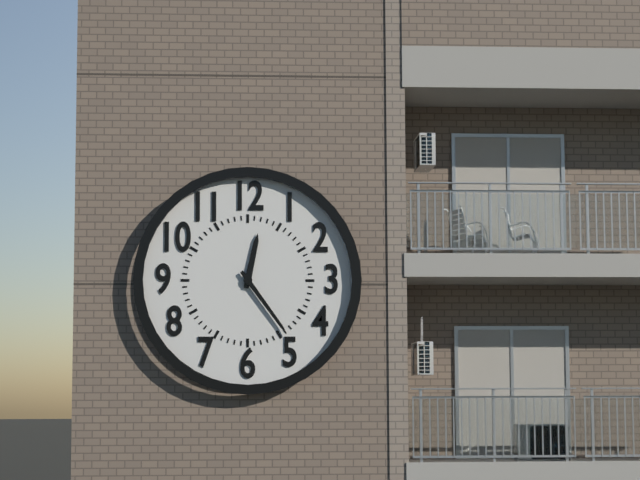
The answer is 12h24
